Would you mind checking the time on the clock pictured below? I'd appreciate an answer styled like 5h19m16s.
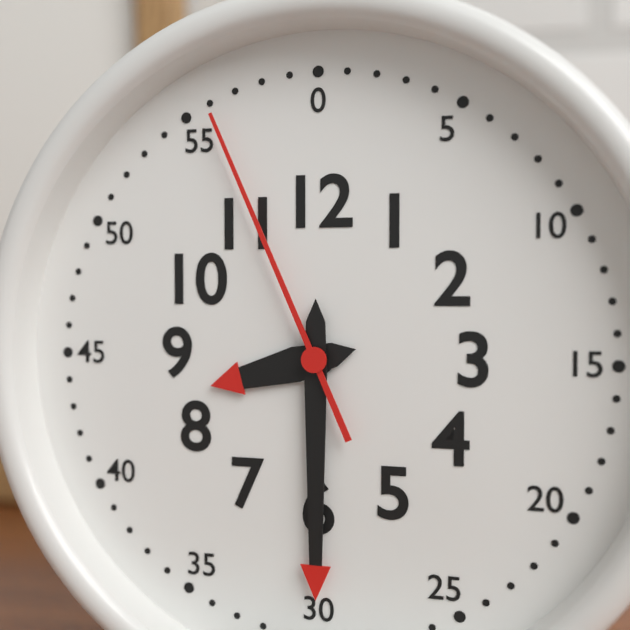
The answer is 8h30m56s
